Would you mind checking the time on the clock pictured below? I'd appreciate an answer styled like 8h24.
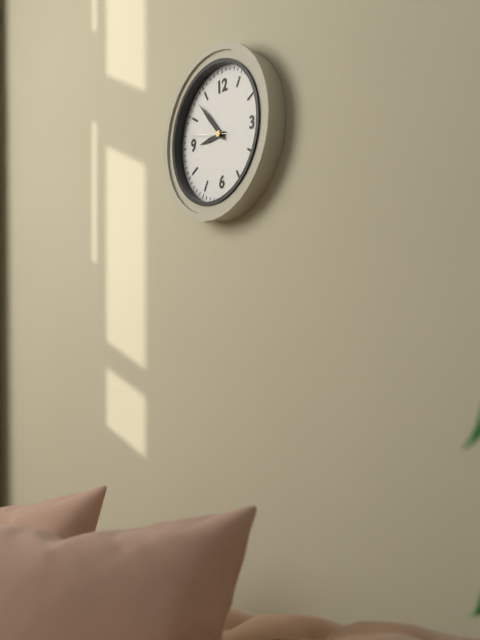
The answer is 8h53
